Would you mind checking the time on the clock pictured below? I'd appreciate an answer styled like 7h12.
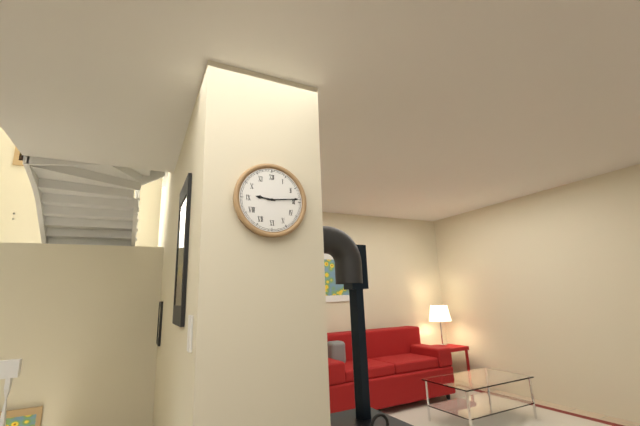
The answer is 9h14
